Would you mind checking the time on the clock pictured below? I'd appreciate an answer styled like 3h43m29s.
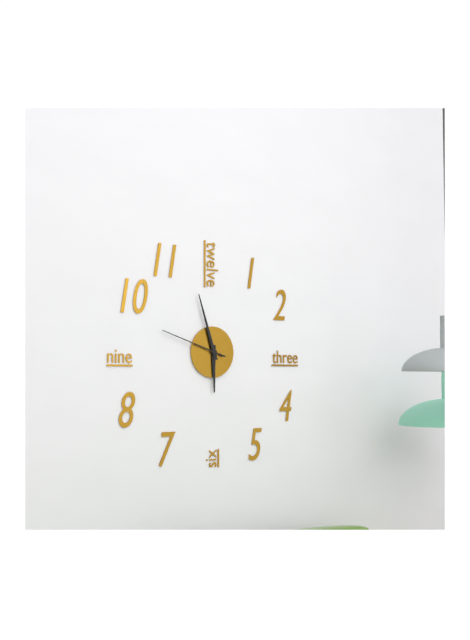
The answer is 5h57m48s
